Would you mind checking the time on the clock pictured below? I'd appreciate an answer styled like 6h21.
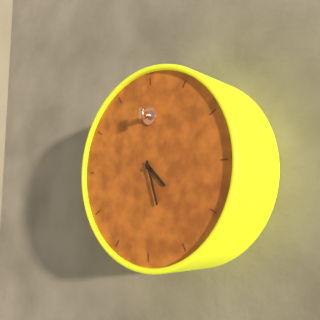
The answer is 4h27
